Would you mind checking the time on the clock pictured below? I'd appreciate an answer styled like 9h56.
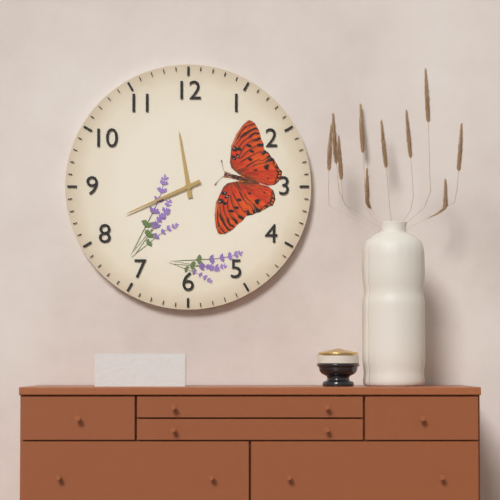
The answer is 11h41
